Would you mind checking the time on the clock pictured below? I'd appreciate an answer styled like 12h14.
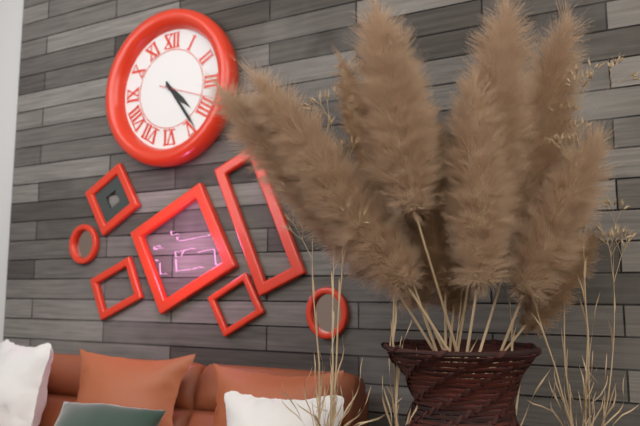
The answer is 4h24
